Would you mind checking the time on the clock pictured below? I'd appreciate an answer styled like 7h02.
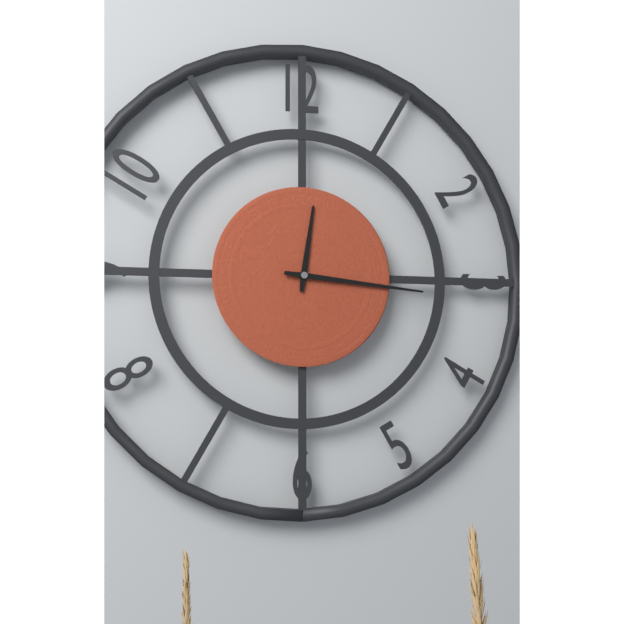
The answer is 12h16
